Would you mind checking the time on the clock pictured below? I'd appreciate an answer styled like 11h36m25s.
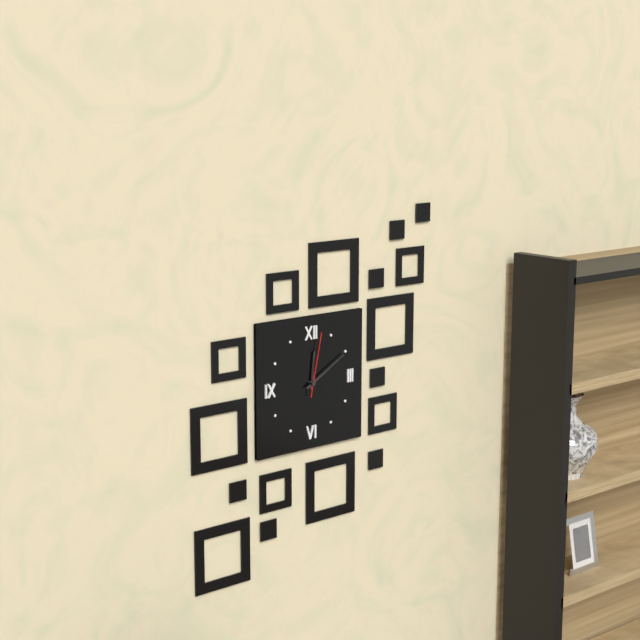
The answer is 12h10m02s
